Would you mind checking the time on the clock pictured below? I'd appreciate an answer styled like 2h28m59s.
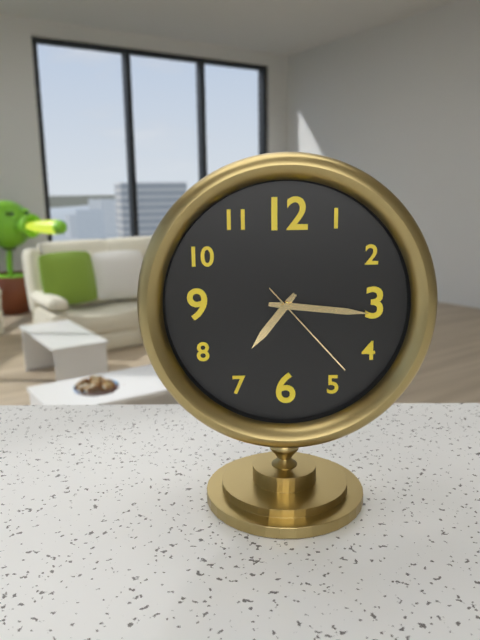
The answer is 7h16m23s
